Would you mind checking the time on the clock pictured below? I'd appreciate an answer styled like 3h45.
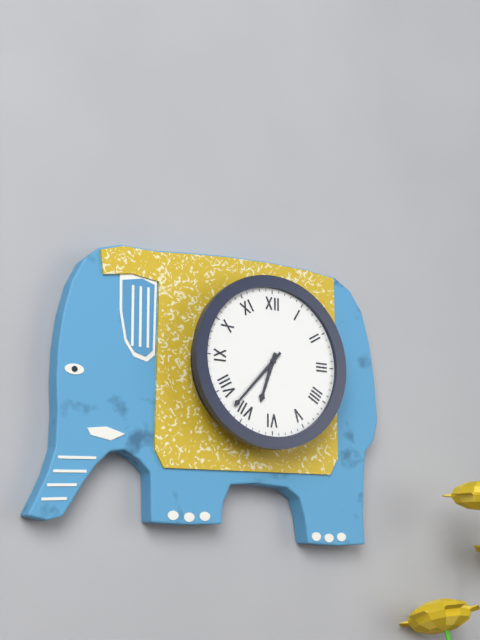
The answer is 6h37
